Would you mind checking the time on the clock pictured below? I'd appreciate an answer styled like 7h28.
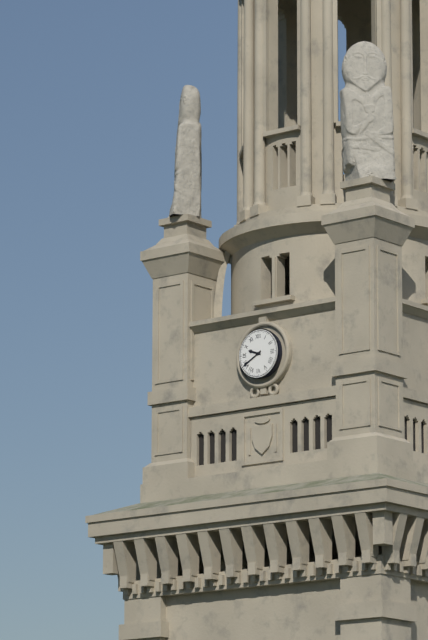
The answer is 9h40
